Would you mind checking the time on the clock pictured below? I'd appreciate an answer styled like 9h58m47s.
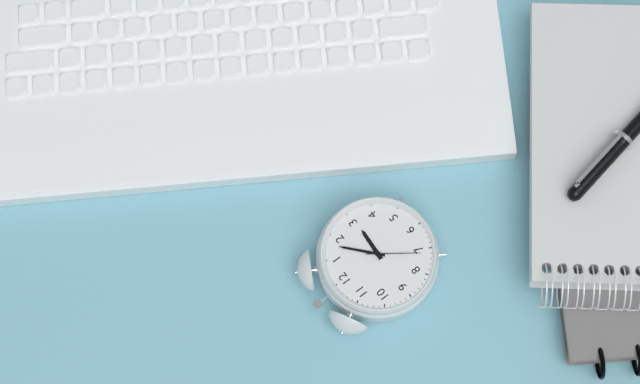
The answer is 3h08m36s
